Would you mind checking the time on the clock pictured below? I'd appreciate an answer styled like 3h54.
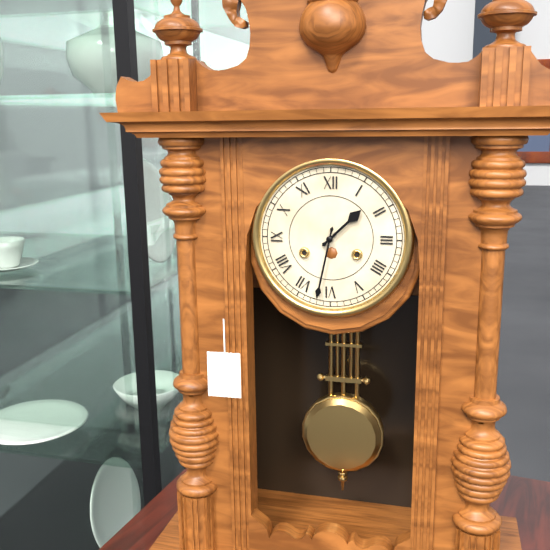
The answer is 1h32
